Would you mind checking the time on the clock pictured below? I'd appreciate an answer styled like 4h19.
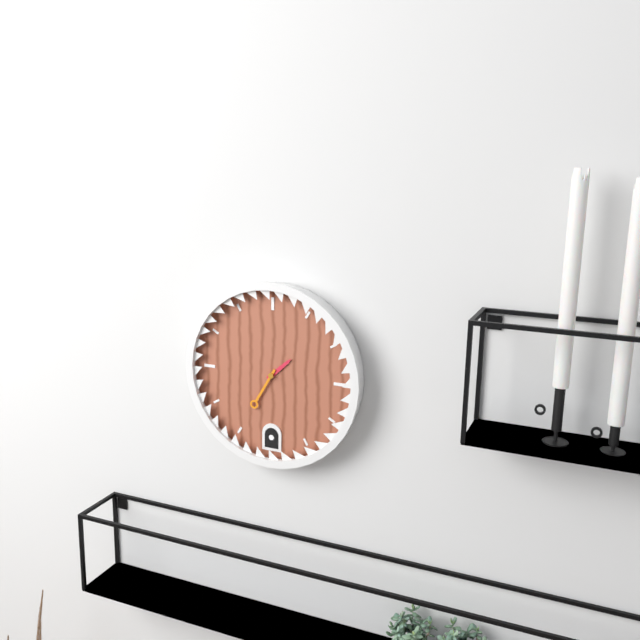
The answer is 1h35
